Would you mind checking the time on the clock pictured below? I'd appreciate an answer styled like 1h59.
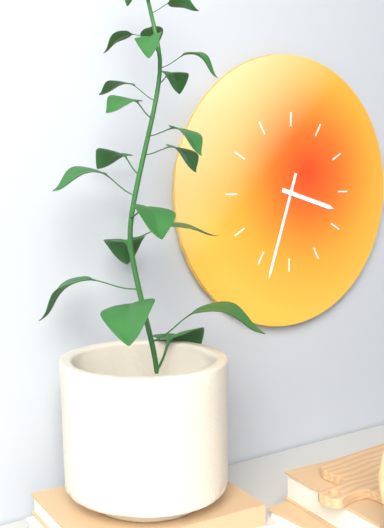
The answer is 3h33
